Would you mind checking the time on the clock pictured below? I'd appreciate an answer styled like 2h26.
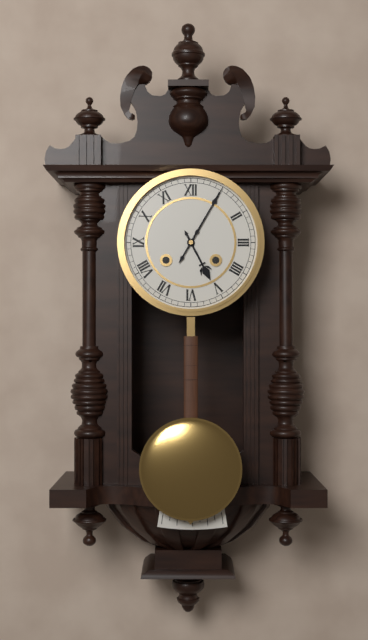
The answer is 5h05
